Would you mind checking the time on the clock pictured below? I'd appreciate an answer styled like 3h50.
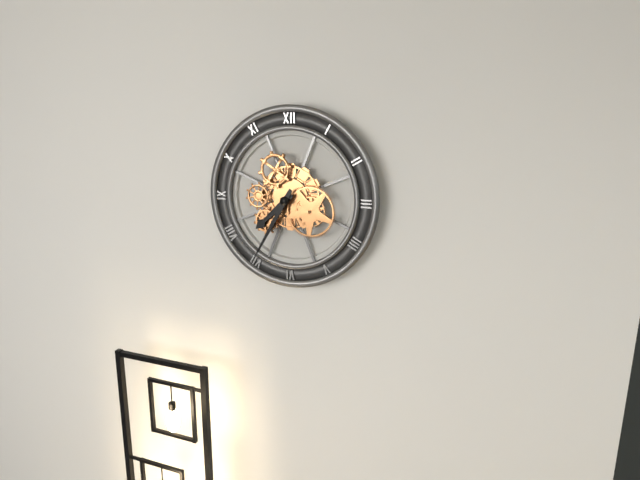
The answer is 7h35
